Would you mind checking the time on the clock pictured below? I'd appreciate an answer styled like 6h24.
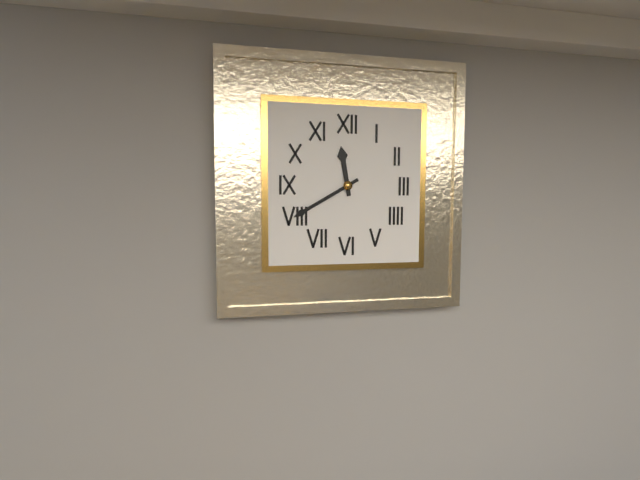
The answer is 11h40
